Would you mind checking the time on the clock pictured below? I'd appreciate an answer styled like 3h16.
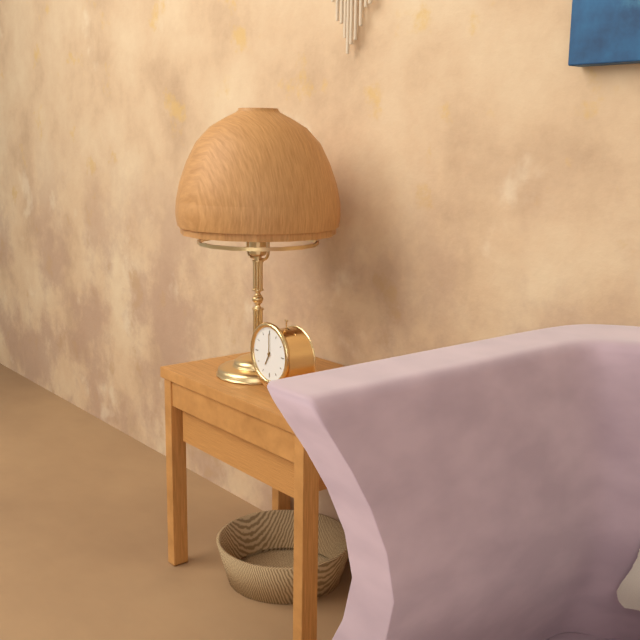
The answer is 7h00
